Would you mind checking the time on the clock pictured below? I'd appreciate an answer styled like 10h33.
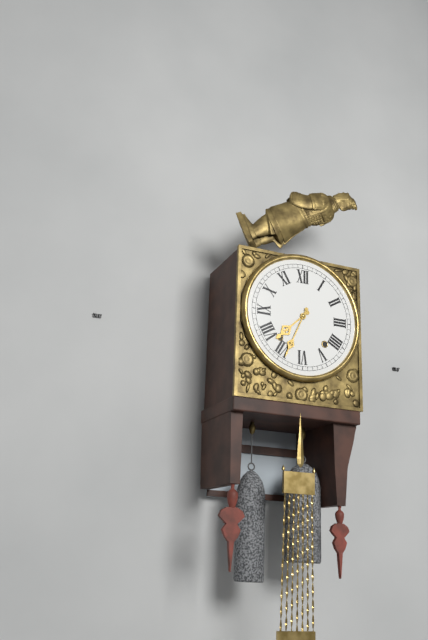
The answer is 7h34
